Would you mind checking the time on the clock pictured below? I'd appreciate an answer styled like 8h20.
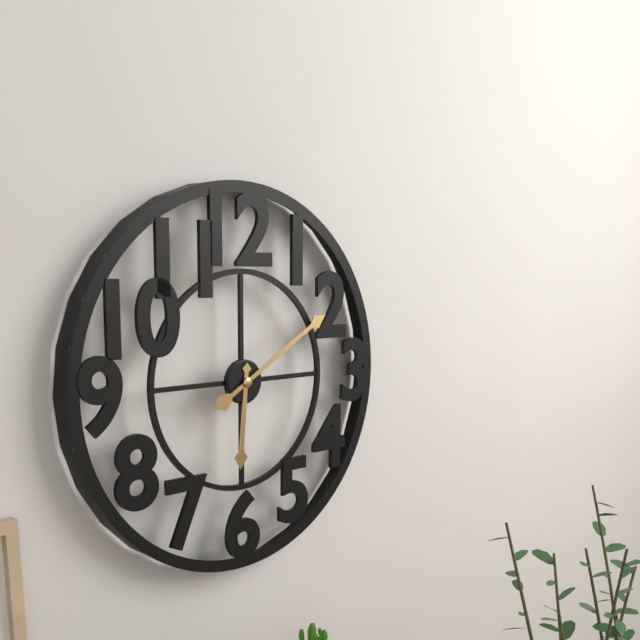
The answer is 6h10
